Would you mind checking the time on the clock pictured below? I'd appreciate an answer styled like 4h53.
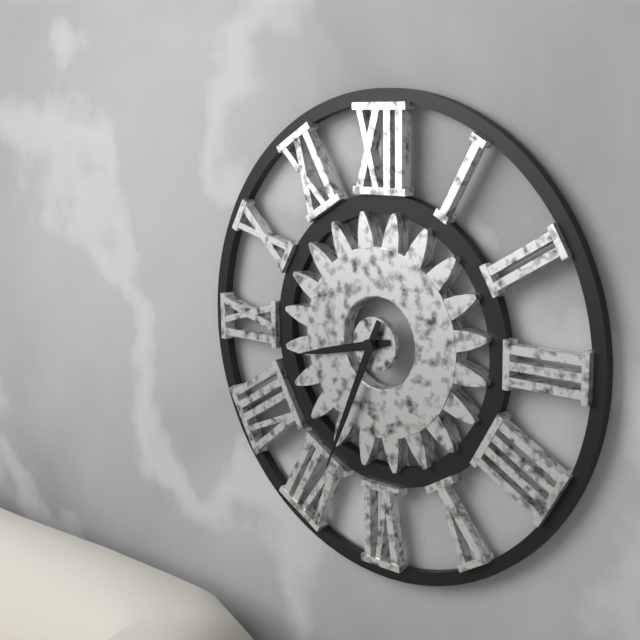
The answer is 8h34
